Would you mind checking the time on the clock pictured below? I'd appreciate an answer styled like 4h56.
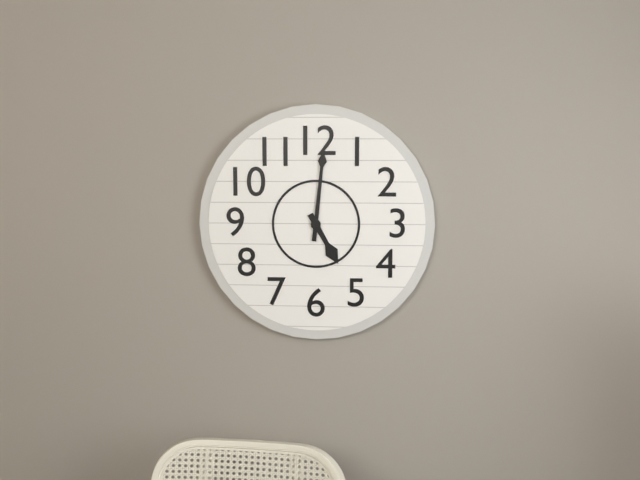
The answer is 5h01
